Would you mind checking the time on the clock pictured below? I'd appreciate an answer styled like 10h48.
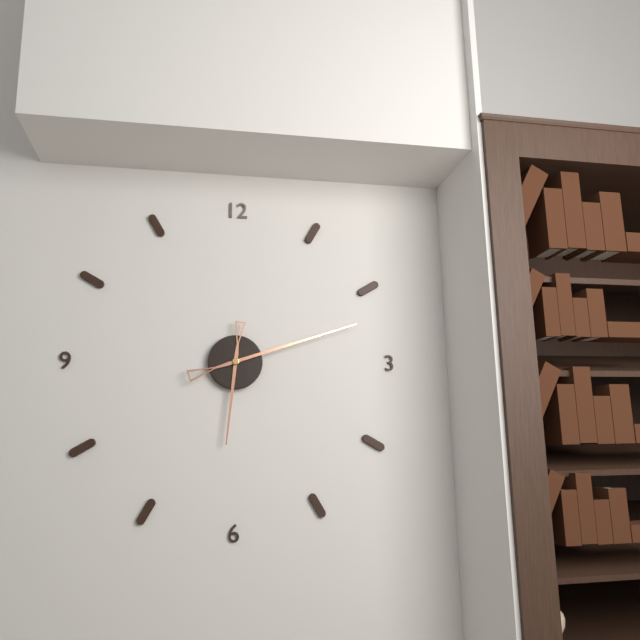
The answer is 6h12
